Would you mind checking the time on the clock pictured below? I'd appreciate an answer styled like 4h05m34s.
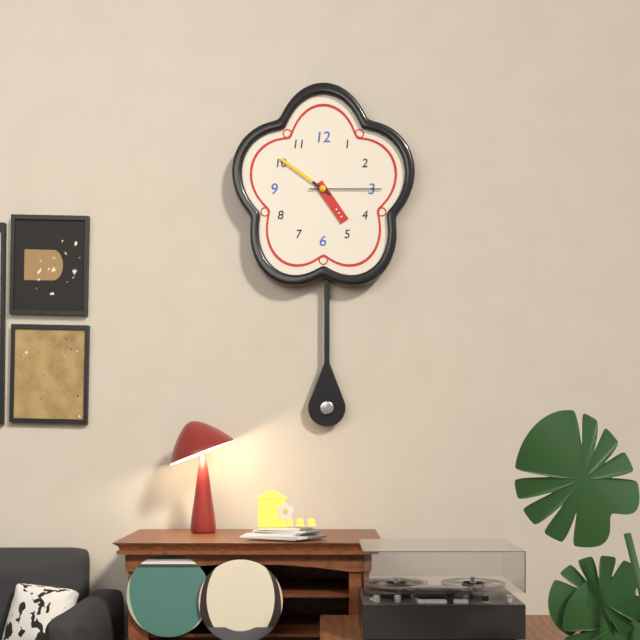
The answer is 4h51m15s
